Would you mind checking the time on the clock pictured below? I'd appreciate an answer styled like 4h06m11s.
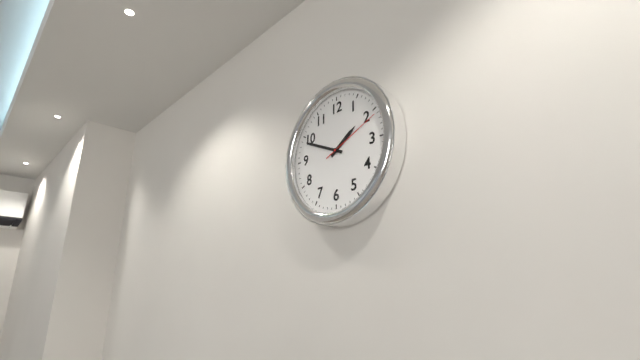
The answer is 1h49m11s
